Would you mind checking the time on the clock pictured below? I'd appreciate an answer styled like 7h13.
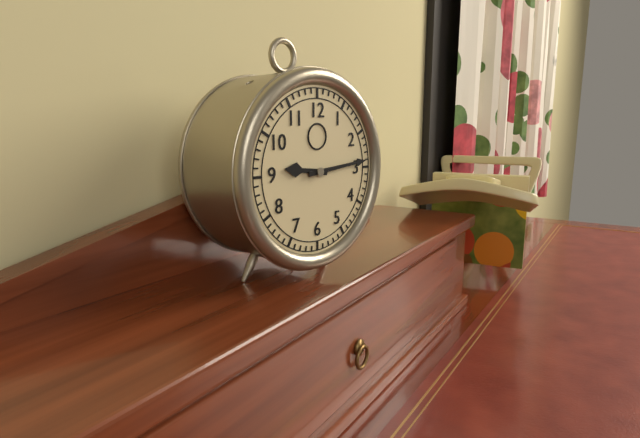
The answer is 9h14
